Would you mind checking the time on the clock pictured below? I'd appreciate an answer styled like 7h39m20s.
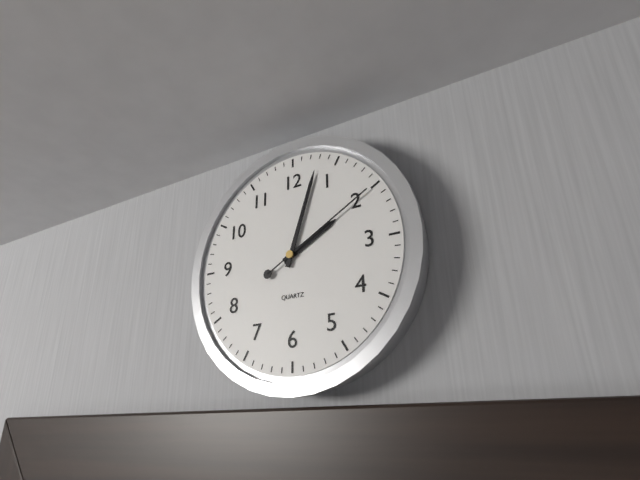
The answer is 2h03m10s
